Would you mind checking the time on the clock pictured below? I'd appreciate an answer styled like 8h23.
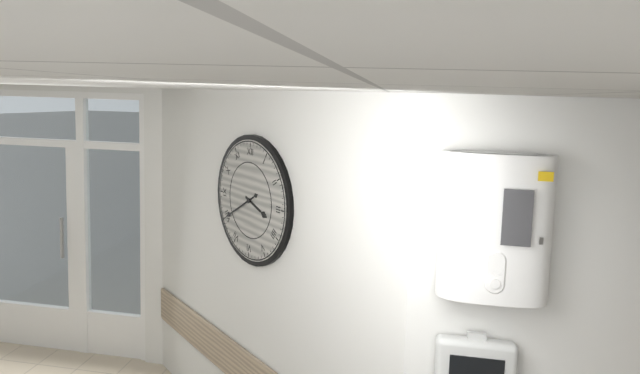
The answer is 3h40
